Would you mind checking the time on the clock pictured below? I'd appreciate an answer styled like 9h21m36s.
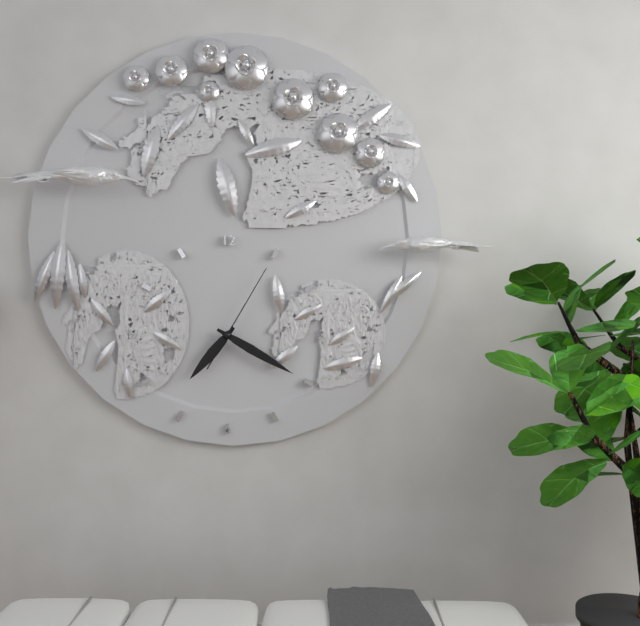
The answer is 7h20m05s
